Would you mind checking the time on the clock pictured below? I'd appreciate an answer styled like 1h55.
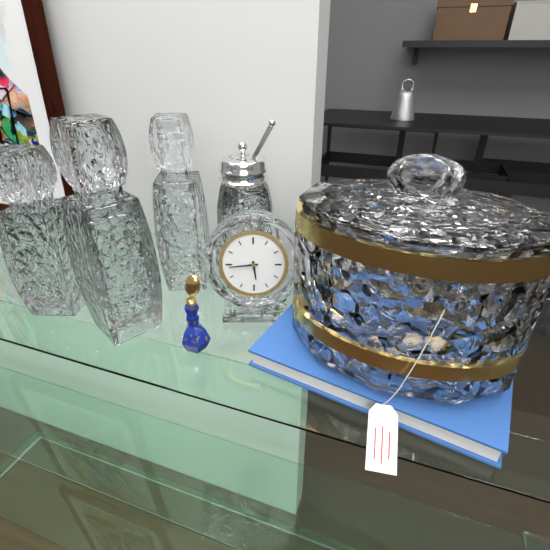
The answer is 5h44
